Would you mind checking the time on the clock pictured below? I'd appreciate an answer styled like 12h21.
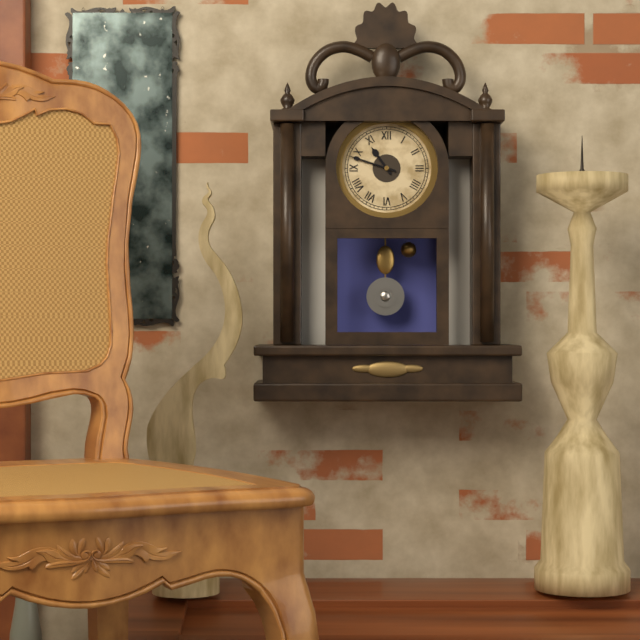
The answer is 10h48
